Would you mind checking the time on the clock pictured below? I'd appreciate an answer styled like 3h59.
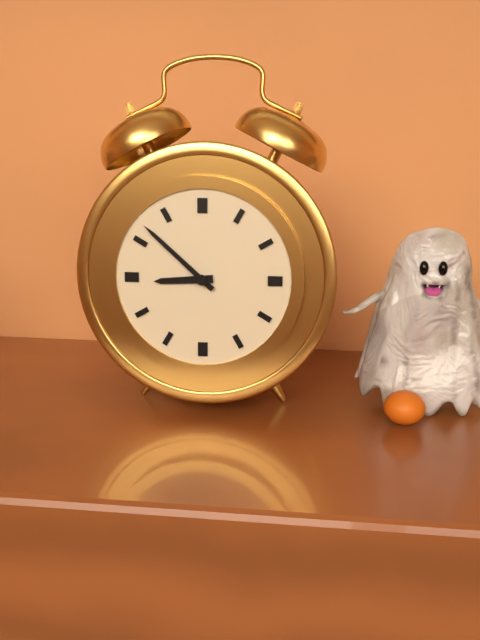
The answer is 8h52
